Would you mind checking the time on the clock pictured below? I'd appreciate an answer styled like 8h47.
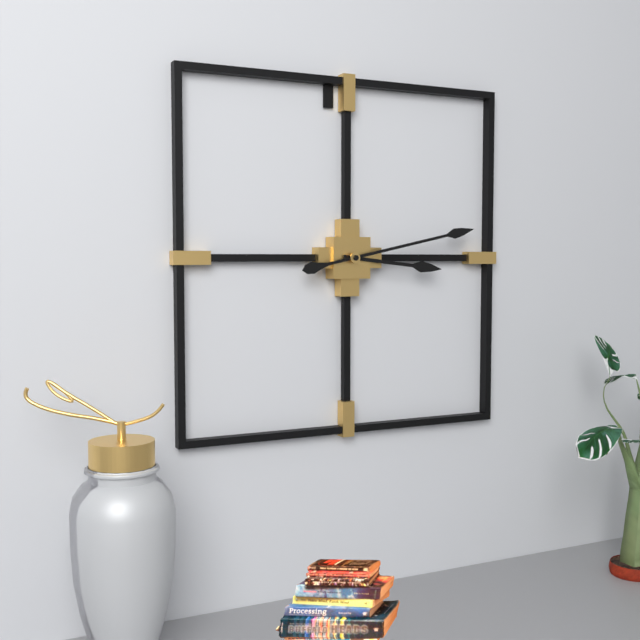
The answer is 3h13
